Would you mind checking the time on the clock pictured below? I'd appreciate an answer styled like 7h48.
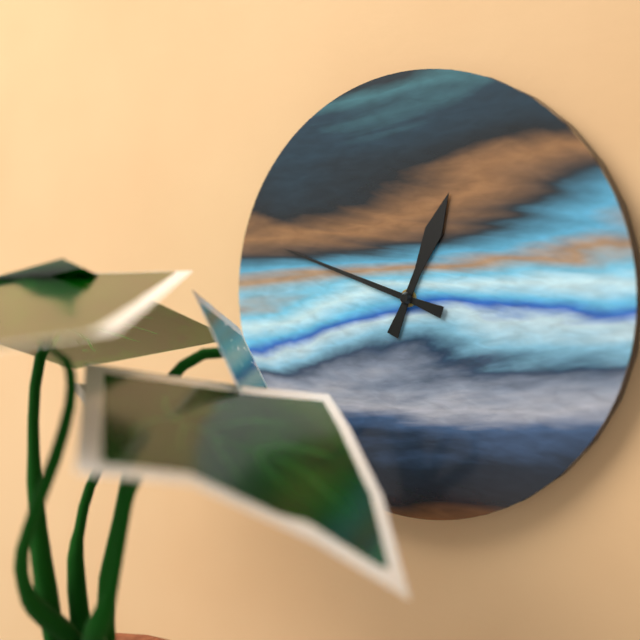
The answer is 12h48
